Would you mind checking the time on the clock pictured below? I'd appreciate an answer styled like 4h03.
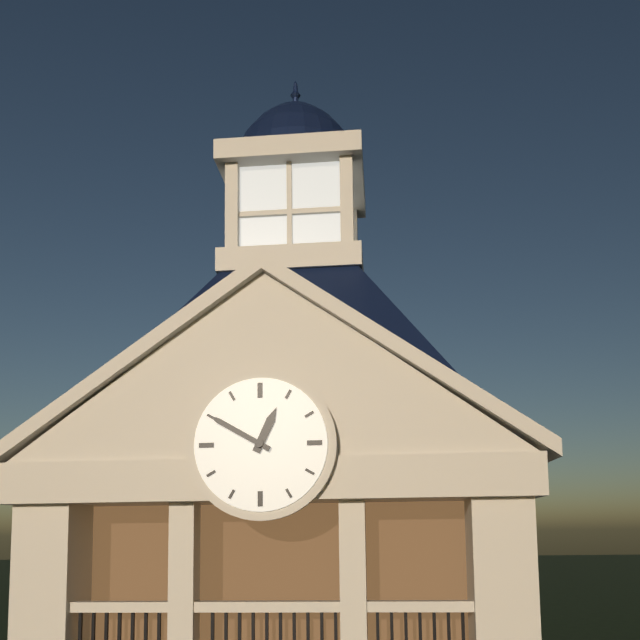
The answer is 12h50
